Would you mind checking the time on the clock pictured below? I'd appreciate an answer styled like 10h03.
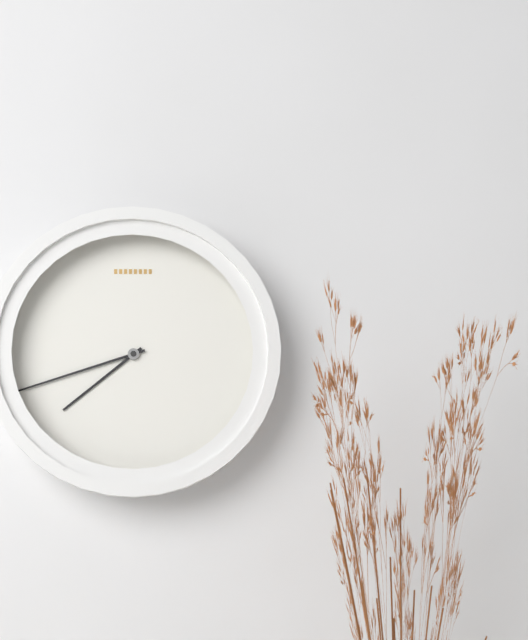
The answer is 7h42
